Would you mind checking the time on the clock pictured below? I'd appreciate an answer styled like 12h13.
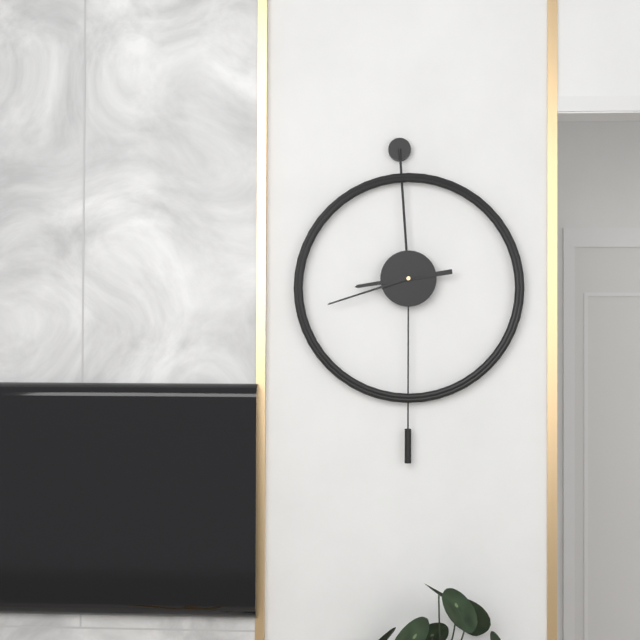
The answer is 8h42
